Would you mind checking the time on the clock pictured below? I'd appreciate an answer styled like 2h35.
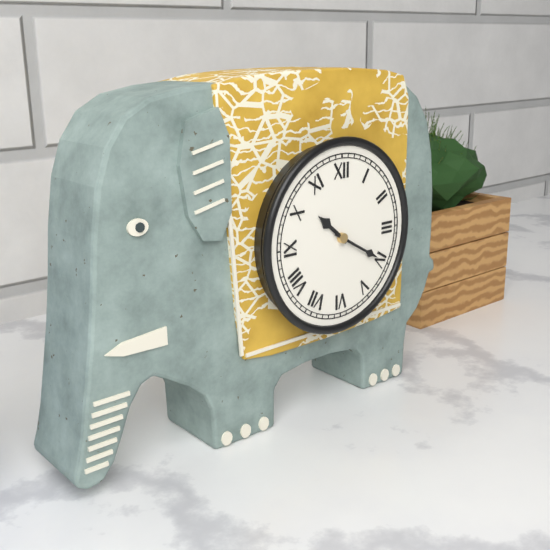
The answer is 10h20
